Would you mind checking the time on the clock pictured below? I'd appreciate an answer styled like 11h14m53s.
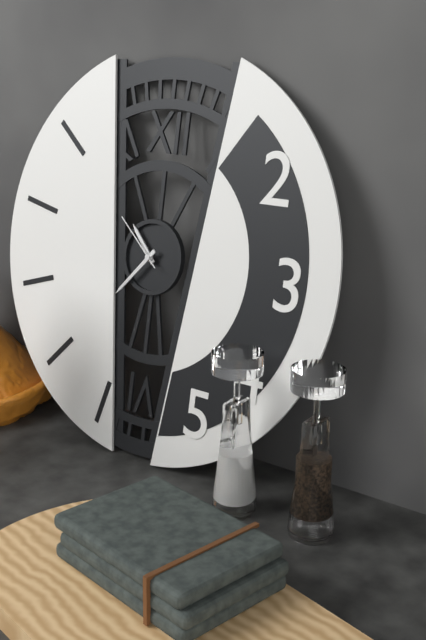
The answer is 10h37m52s
